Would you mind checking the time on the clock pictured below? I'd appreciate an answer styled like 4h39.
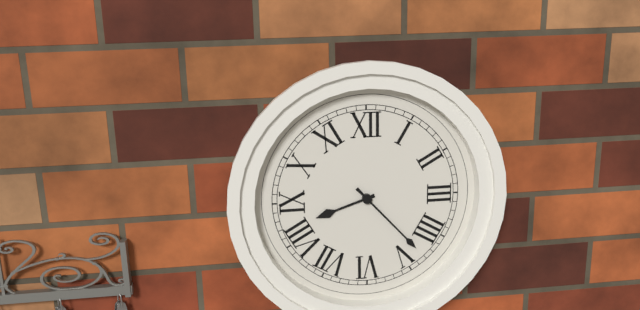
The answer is 8h23
